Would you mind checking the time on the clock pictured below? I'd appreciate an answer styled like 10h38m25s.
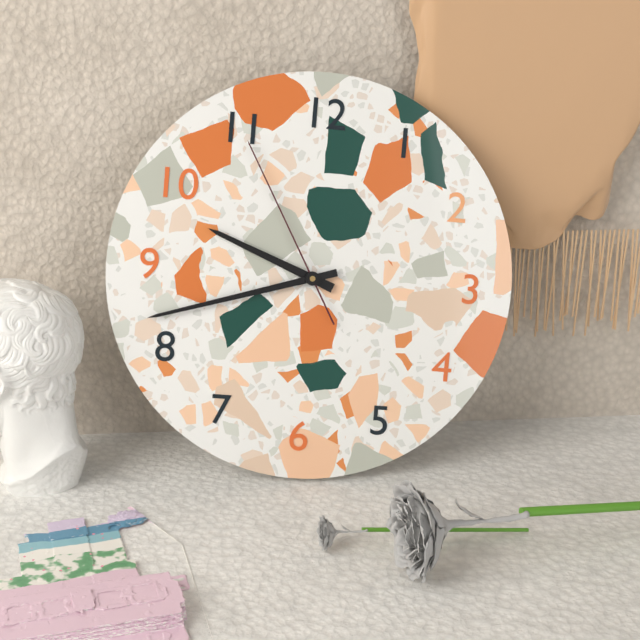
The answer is 9h42m55s
